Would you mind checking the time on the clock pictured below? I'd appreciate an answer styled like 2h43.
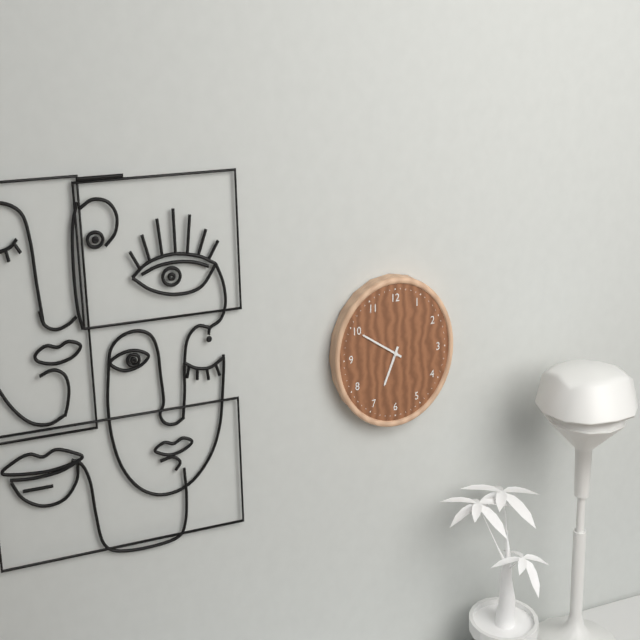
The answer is 6h50
